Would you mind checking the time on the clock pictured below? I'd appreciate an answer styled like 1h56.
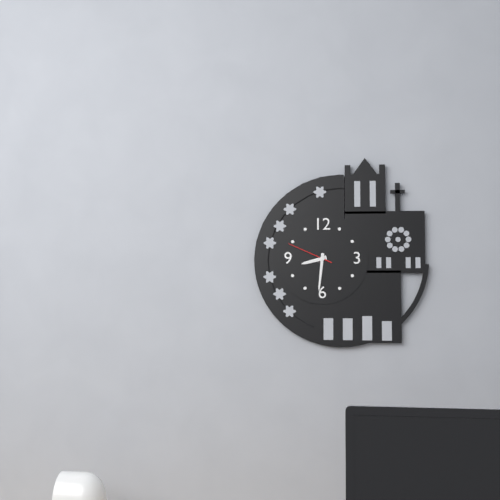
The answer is 8h31
